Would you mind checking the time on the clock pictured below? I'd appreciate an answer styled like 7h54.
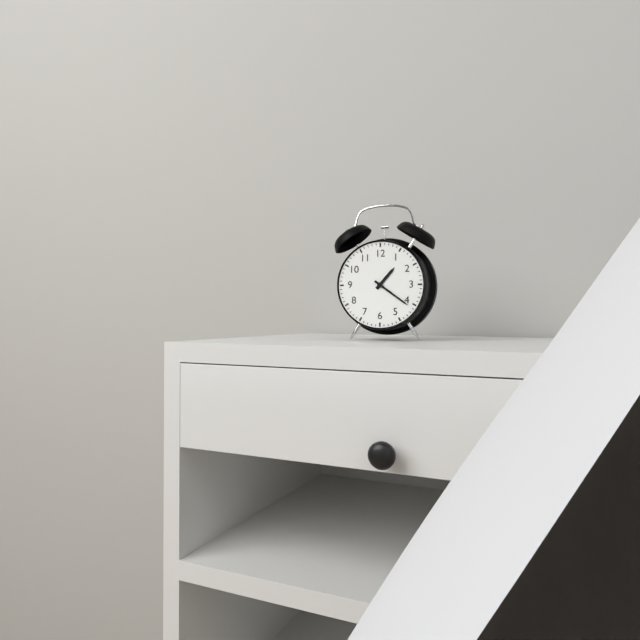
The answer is 1h21
